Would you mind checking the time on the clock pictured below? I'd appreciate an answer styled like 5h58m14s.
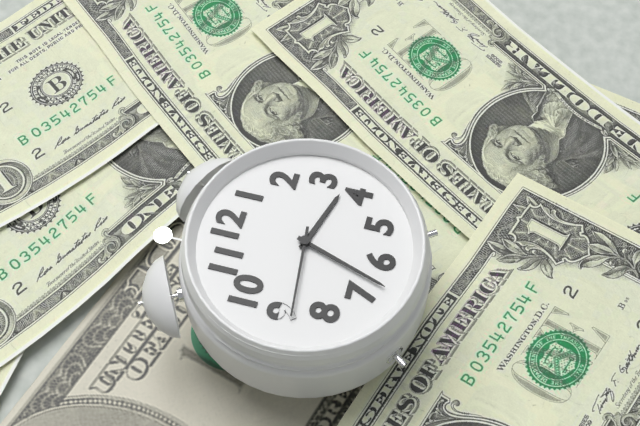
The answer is 3h33m44s
